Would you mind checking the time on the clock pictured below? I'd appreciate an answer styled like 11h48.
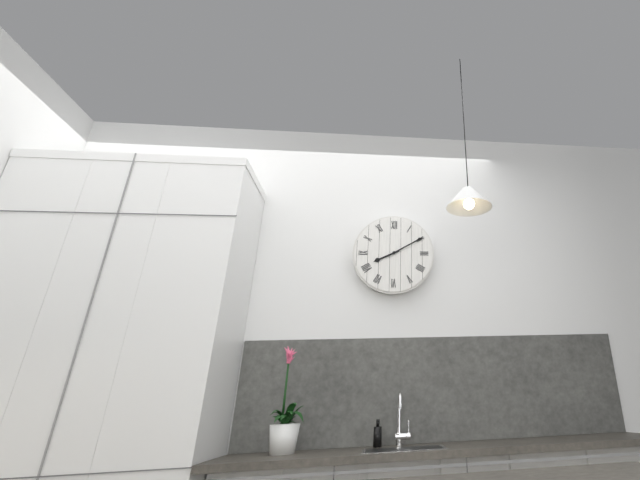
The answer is 8h10
